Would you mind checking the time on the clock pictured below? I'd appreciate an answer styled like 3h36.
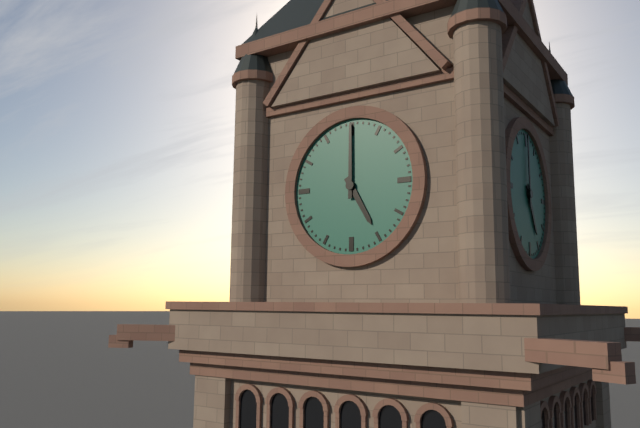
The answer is 5h00
